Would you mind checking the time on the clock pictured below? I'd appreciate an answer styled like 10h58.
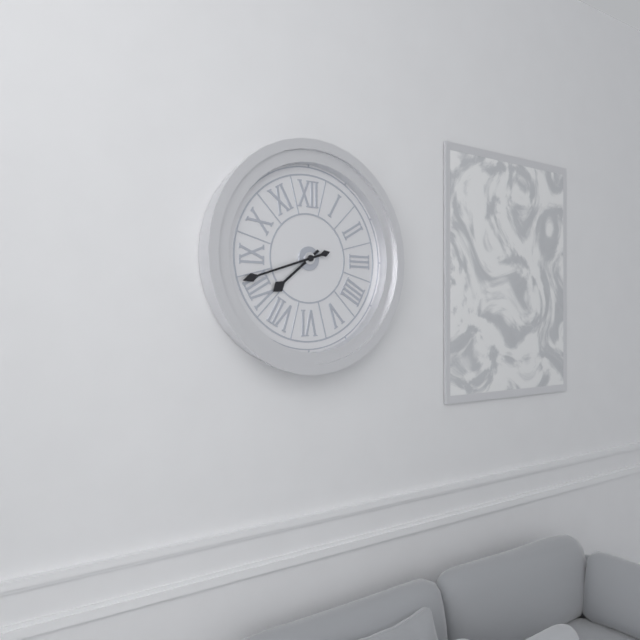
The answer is 7h42
